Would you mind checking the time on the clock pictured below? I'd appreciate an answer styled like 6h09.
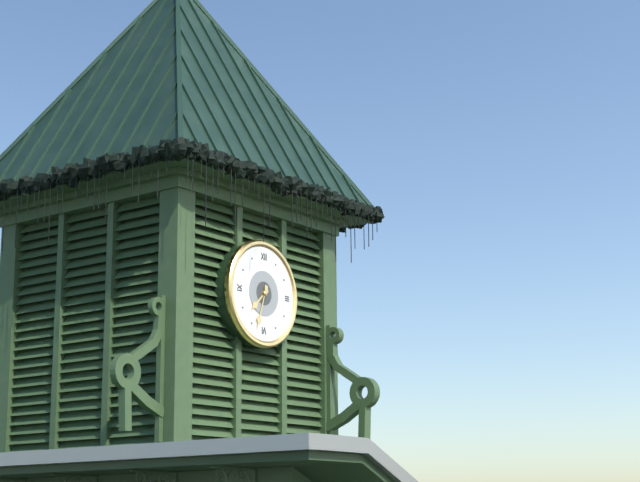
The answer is 7h33
